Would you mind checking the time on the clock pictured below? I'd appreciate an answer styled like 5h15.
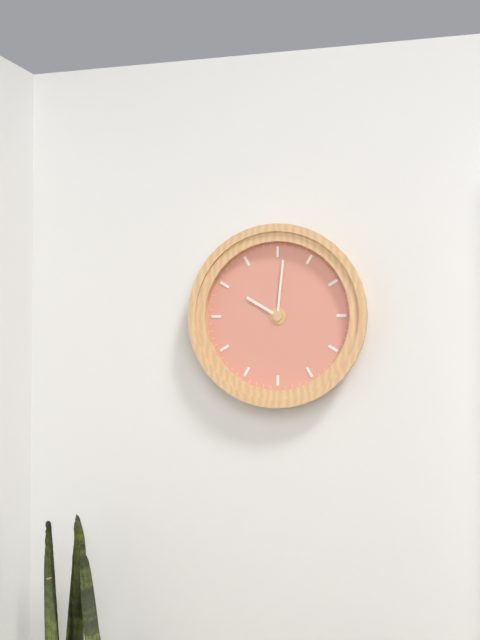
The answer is 10h01
